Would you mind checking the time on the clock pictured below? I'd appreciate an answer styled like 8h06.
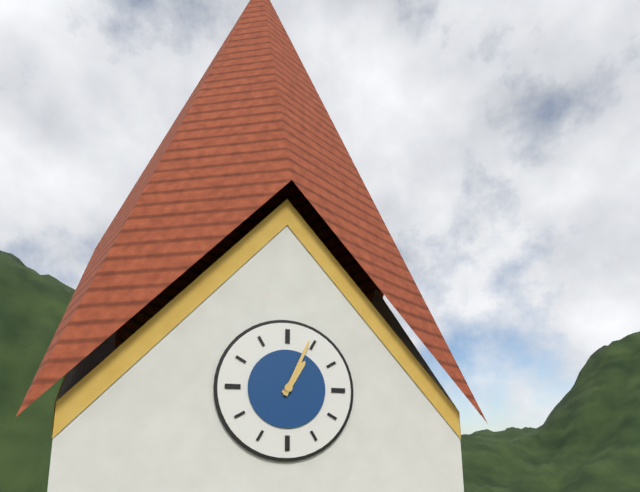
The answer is 1h04
